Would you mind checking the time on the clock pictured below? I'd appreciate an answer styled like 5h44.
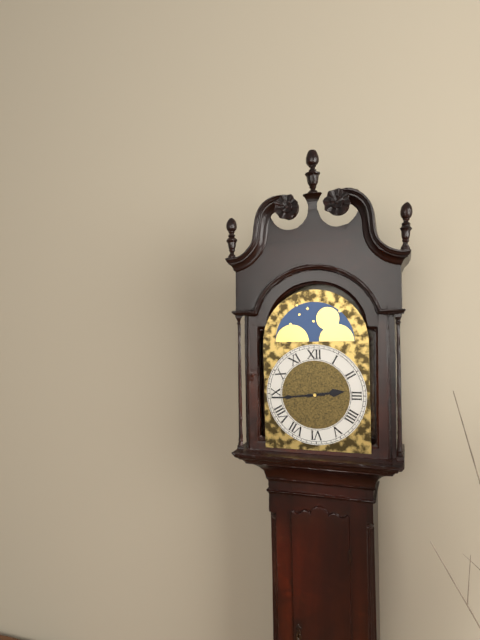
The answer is 2h44
